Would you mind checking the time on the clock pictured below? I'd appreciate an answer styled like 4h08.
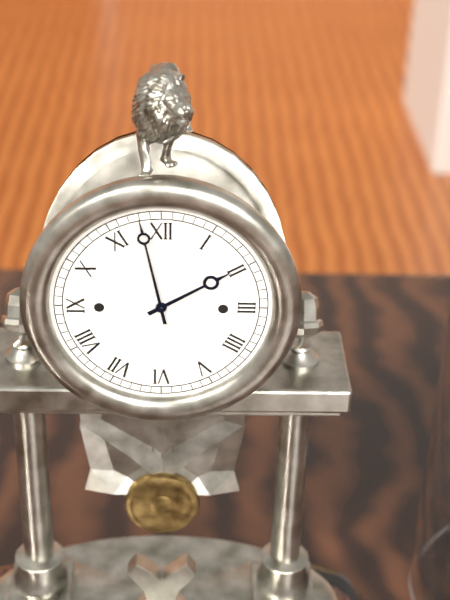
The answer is 1h58
